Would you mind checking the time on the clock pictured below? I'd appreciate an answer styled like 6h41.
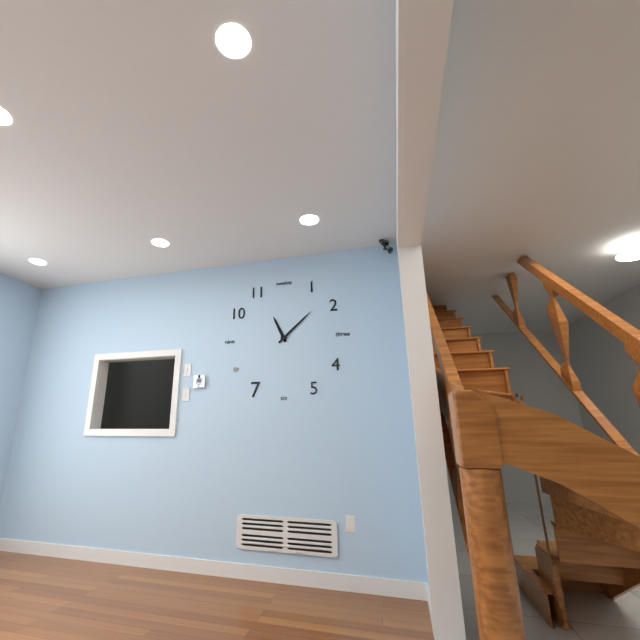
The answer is 11h08
